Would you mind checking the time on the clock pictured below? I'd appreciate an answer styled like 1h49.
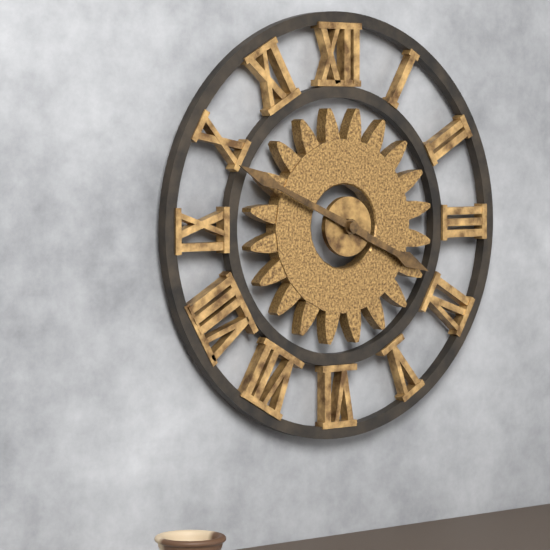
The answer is 3h49
